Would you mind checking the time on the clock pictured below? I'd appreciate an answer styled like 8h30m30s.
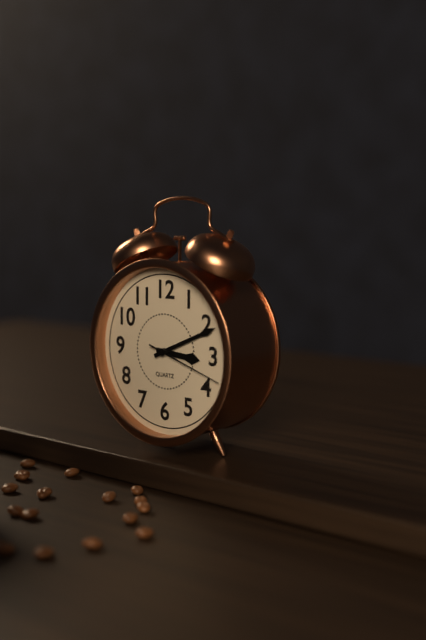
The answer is 3h11m18s
